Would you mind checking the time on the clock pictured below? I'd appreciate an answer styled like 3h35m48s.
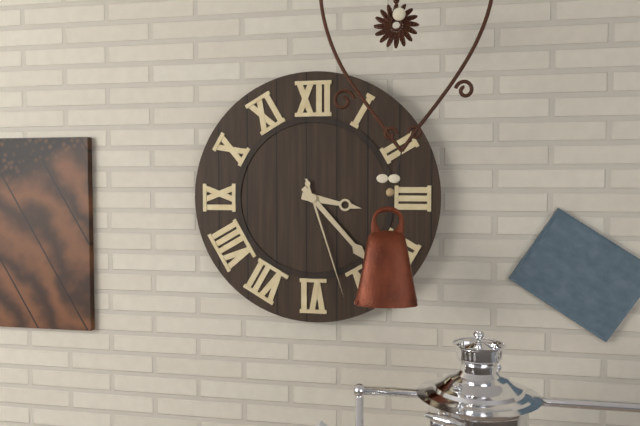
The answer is 3h23m27s
